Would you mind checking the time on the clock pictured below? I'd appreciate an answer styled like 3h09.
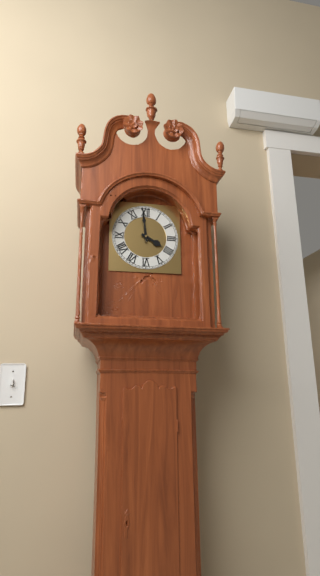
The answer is 3h59
